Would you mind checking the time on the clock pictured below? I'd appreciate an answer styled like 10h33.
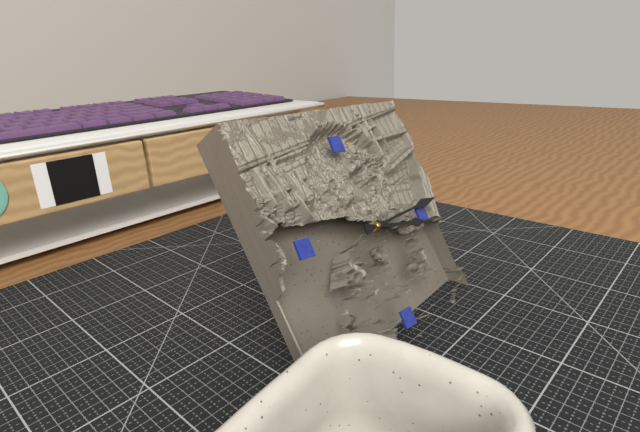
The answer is 3h14
